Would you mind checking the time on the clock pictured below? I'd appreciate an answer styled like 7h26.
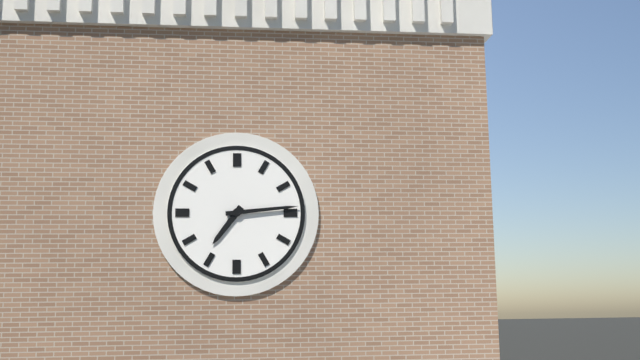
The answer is 7h14
